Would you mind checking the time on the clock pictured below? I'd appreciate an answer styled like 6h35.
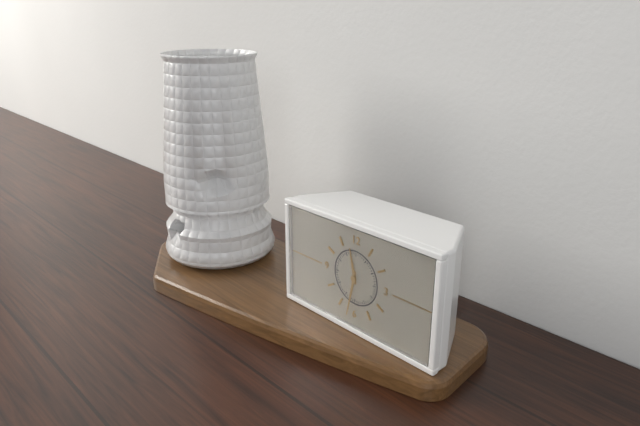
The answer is 11h32
